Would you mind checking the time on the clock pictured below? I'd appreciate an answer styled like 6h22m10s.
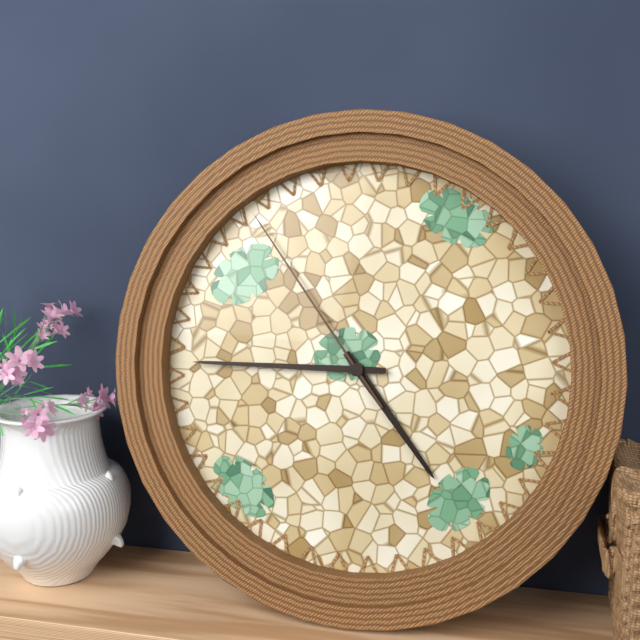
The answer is 4h45m54s
